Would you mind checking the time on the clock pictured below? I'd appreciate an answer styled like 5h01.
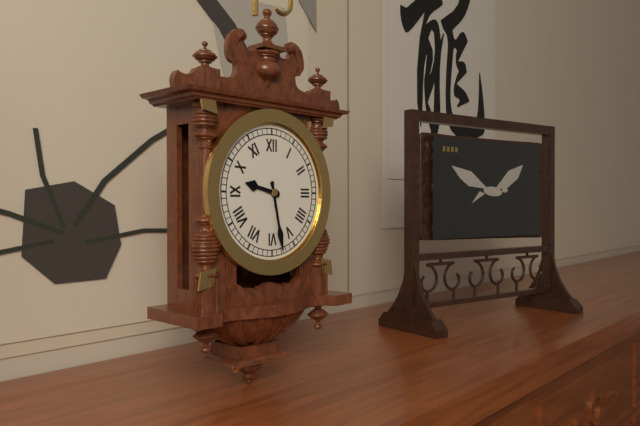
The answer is 9h28
